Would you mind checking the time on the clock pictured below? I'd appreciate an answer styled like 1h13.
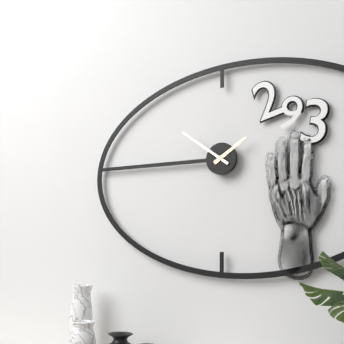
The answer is 1h51
